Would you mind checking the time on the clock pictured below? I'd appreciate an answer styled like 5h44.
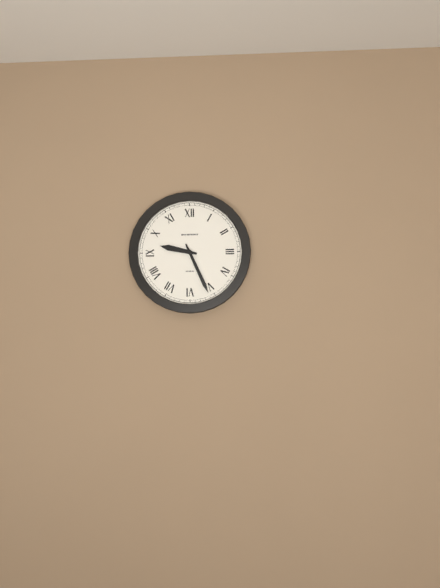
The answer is 9h26
